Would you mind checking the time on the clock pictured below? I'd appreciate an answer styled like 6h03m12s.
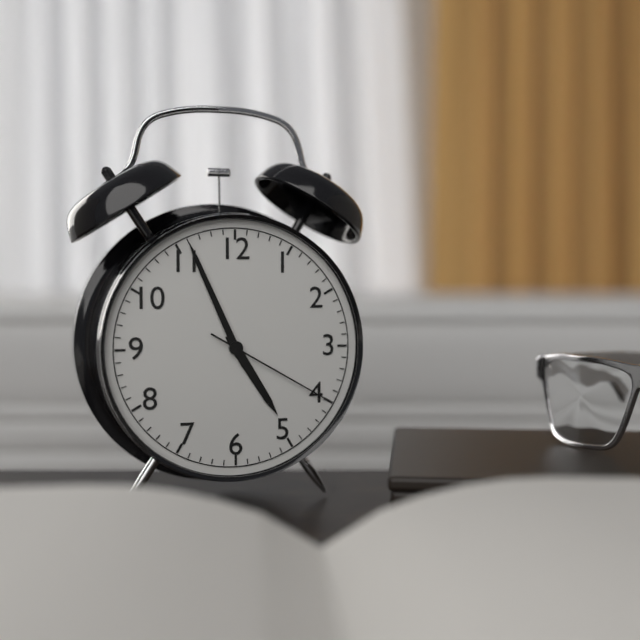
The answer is 4h56m20s
